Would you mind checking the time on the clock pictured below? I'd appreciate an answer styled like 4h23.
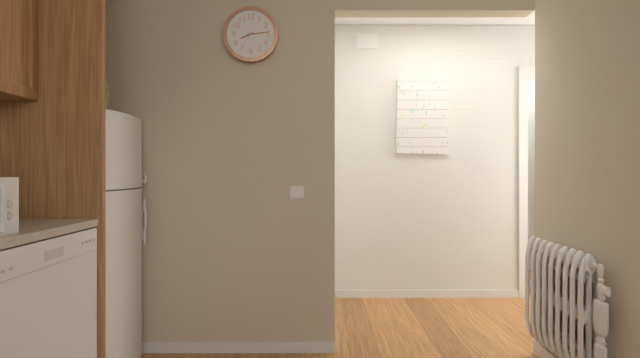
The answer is 8h14
